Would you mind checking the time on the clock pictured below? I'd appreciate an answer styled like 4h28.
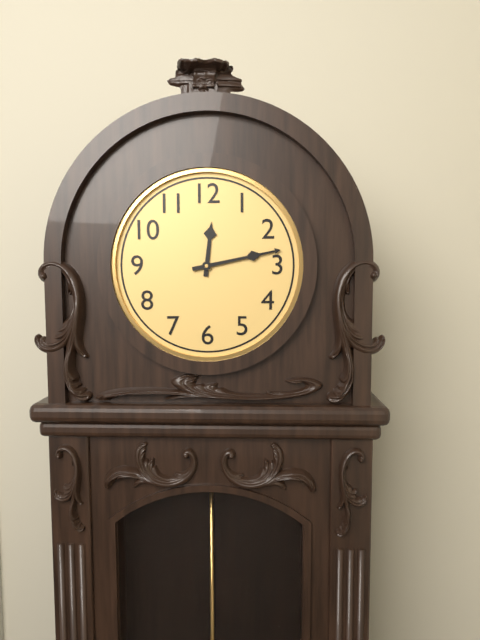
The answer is 12h13
